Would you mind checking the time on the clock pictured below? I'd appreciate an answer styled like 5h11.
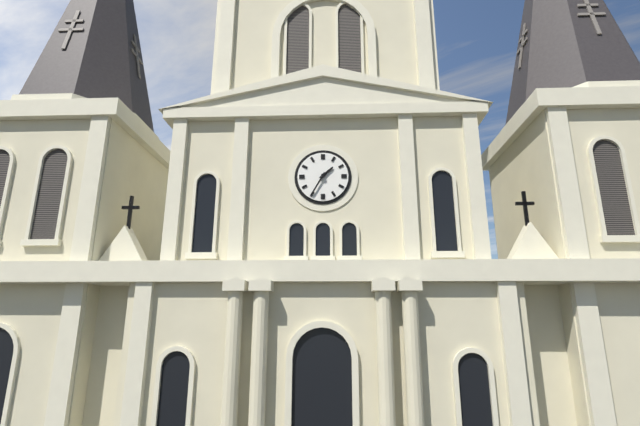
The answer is 1h35
